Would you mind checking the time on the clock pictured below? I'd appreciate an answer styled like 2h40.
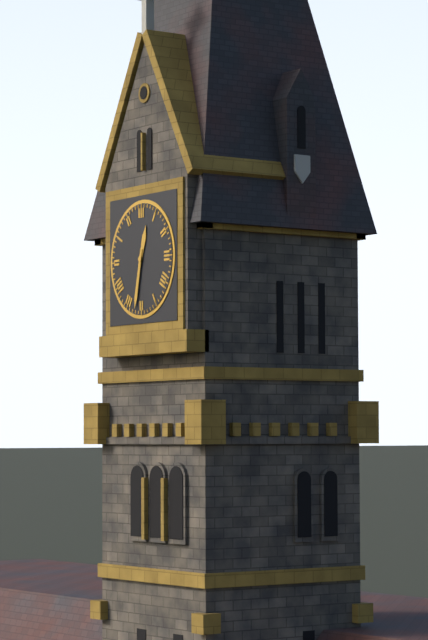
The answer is 12h32
